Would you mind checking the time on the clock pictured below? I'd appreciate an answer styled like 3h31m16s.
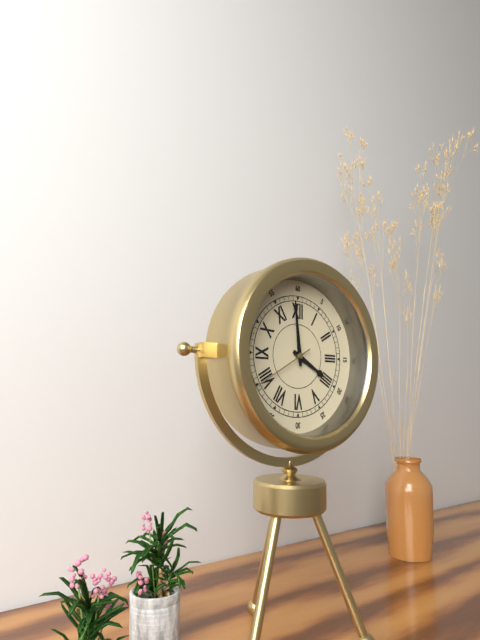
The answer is 3h59m40s
